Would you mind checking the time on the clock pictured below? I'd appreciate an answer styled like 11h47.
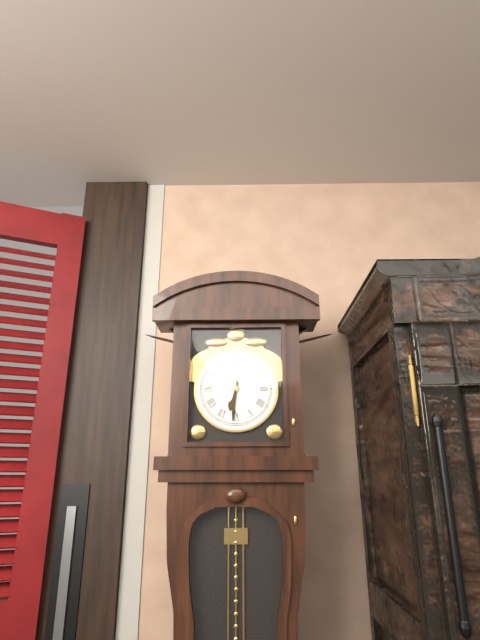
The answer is 6h31
